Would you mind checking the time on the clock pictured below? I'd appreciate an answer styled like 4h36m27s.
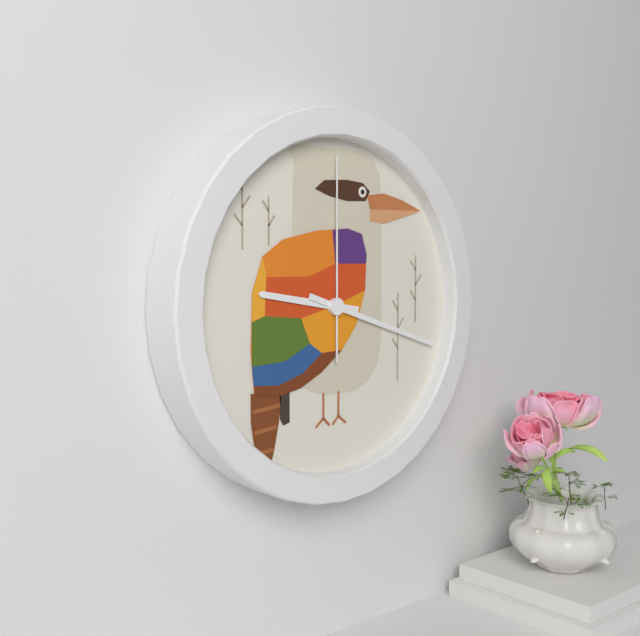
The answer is 9h18m00s
